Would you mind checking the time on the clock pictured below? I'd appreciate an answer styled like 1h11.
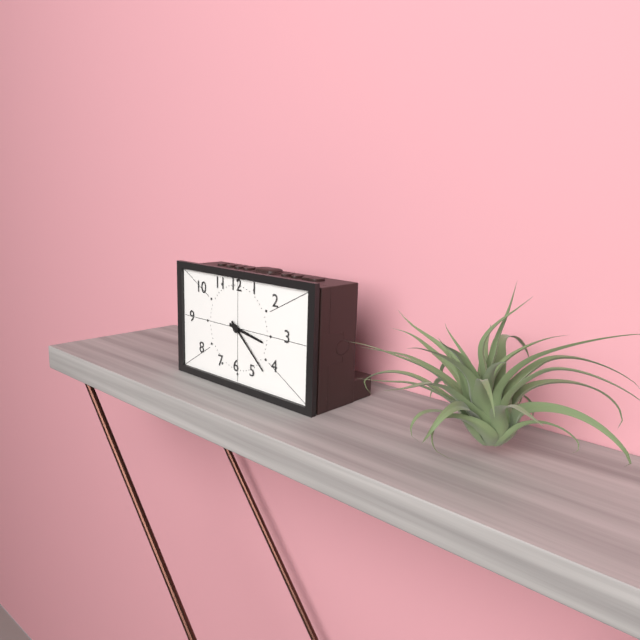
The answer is 3h22
